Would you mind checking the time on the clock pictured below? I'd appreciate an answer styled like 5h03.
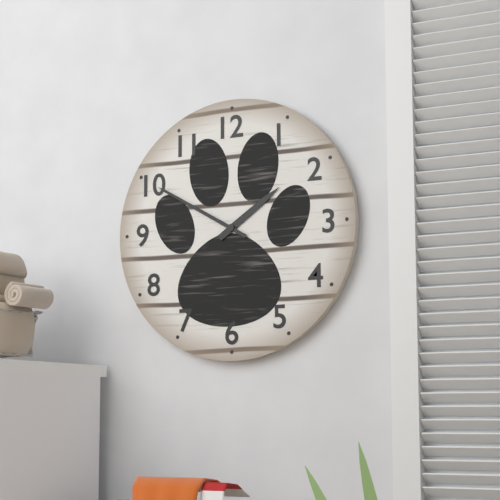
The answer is 1h50
